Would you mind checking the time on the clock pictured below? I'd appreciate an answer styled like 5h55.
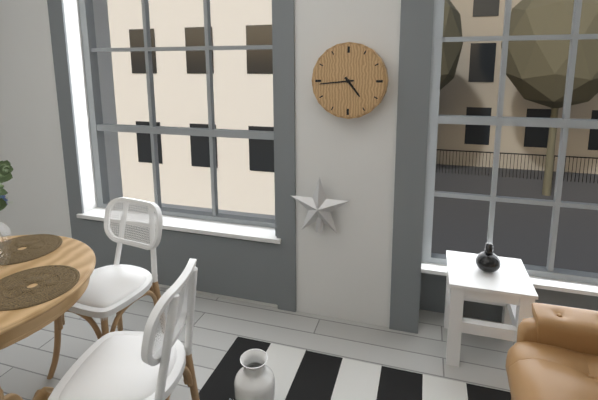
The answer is 4h44
